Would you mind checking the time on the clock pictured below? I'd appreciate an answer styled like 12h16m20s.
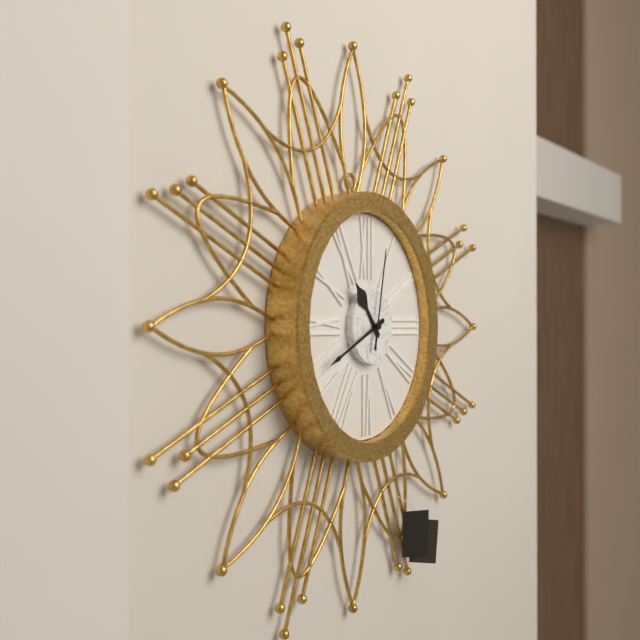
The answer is 10h41m02s
